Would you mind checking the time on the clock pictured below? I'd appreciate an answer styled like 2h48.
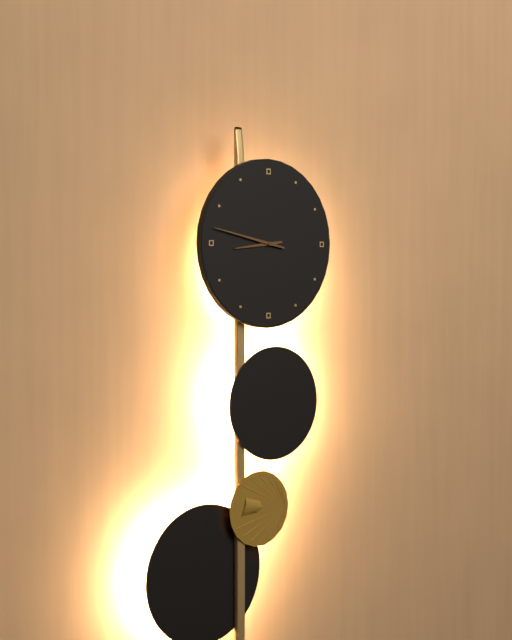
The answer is 8h47
